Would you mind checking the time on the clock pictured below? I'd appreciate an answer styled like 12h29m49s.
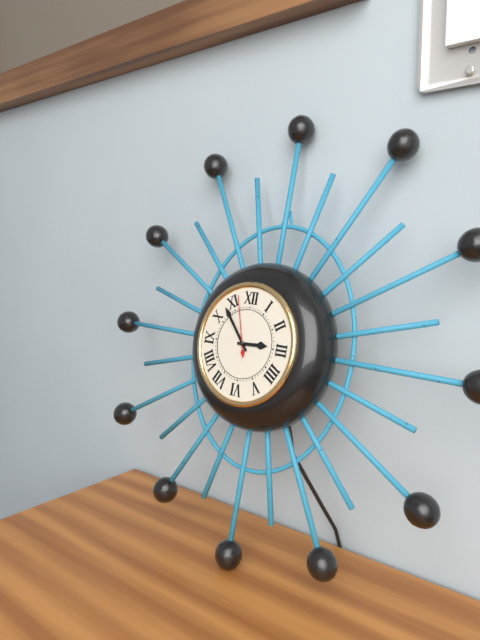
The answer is 2h53m57s
